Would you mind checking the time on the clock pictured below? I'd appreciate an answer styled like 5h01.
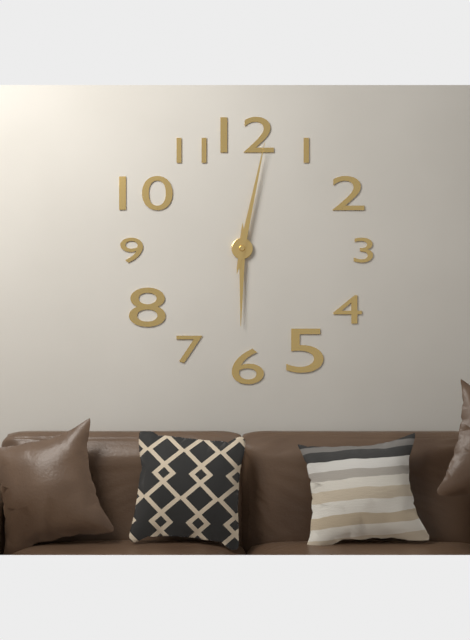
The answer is 6h02
